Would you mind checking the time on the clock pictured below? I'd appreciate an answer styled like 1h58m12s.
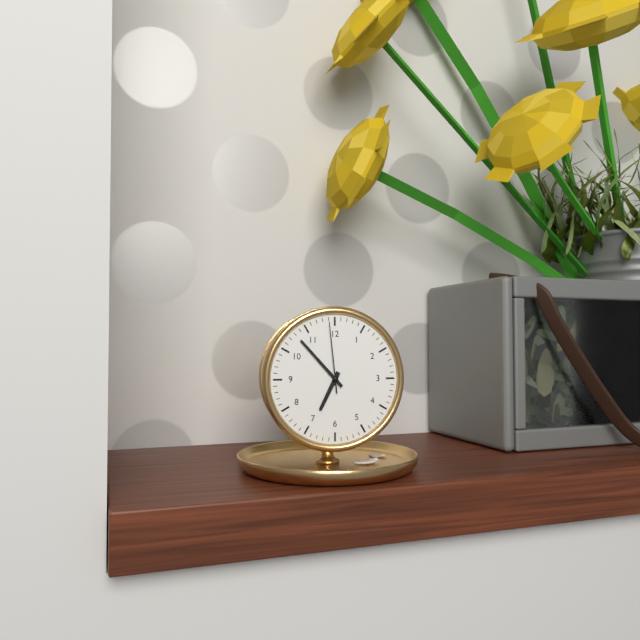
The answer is 6h53m59s
